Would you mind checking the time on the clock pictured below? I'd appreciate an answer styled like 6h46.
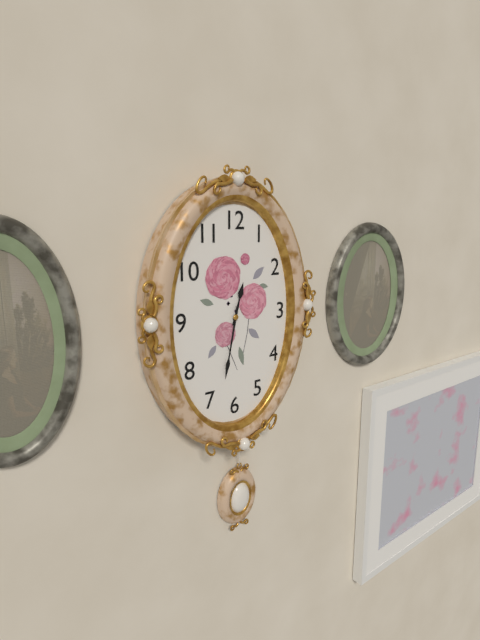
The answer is 12h32
